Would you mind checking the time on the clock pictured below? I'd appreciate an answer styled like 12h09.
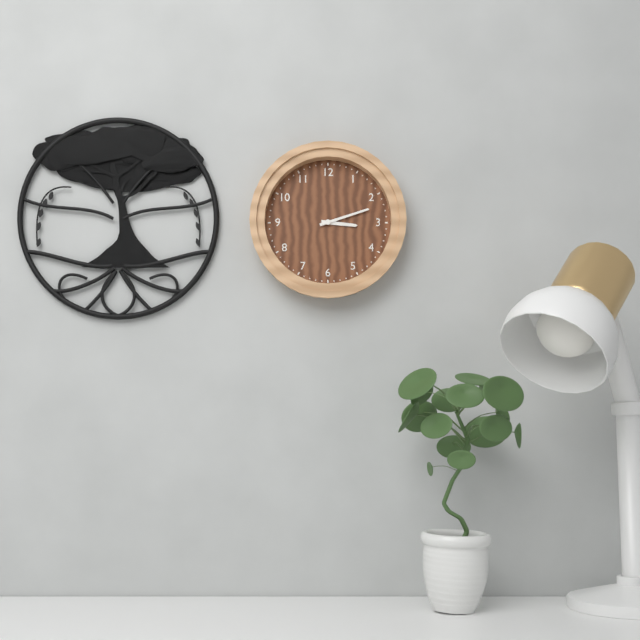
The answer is 3h12
